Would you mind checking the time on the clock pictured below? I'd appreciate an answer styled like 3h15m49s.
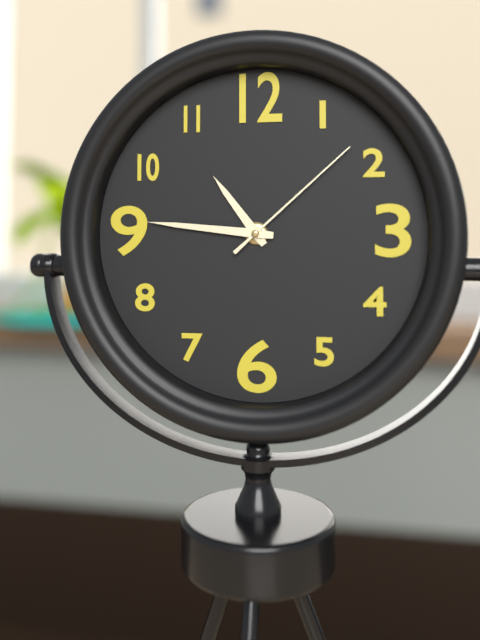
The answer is 10h46m08s
